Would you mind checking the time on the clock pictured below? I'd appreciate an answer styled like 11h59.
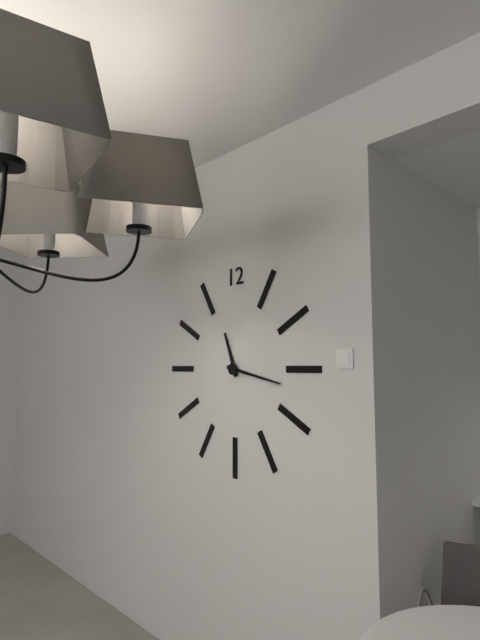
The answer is 11h17
